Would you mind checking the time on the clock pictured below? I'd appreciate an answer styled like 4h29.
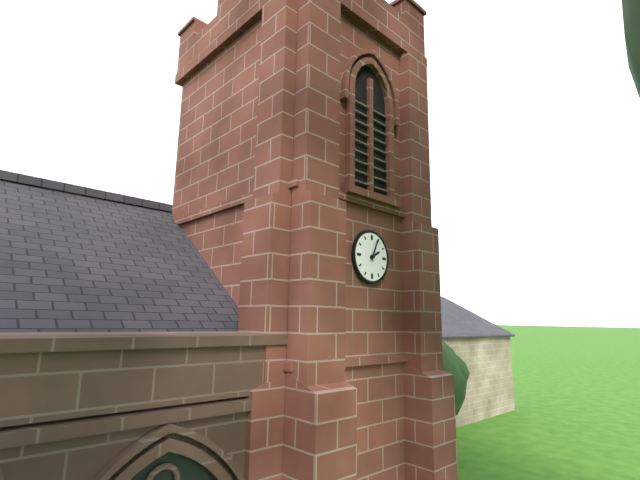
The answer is 2h04
